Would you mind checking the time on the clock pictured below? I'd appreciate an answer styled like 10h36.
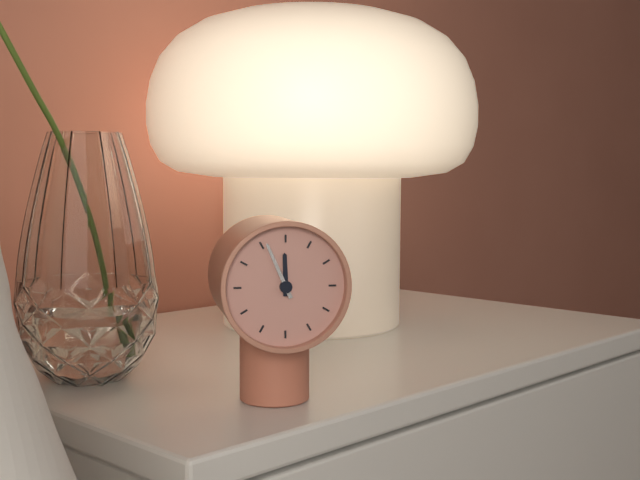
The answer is 11h56
